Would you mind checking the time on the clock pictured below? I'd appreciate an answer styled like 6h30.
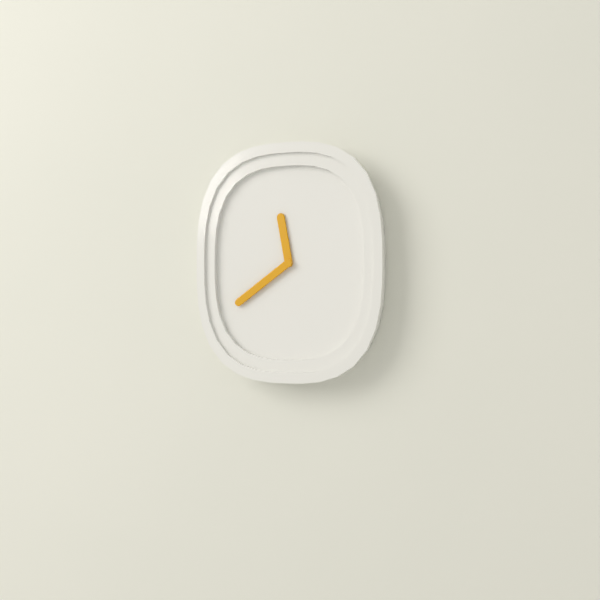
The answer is 11h39
